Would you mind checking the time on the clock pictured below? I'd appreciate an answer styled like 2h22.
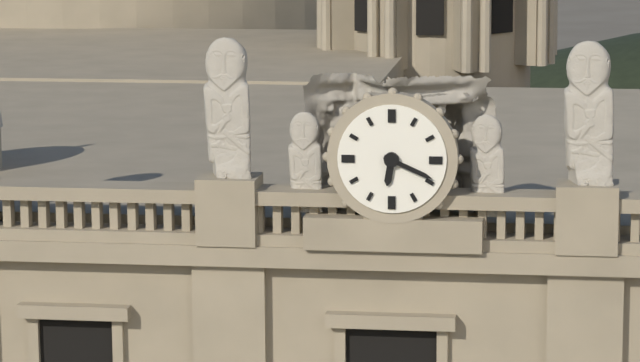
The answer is 6h19
